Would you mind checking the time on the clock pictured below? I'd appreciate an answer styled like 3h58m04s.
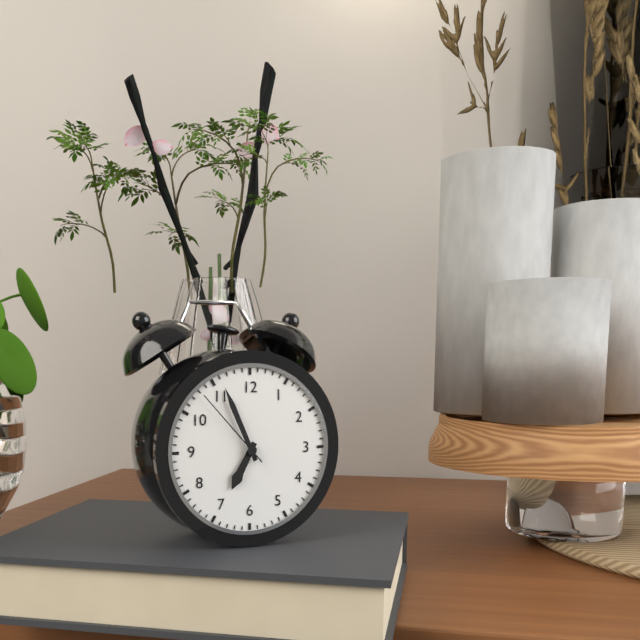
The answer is 6h56m53s
